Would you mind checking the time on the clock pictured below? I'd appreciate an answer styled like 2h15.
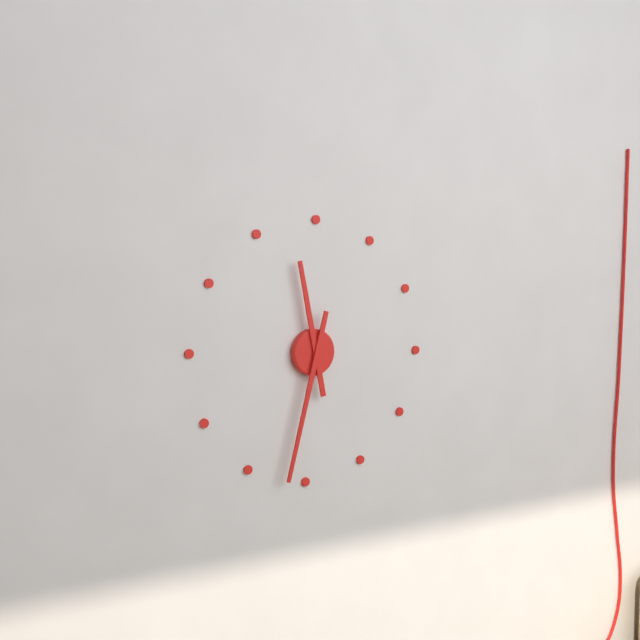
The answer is 11h32
